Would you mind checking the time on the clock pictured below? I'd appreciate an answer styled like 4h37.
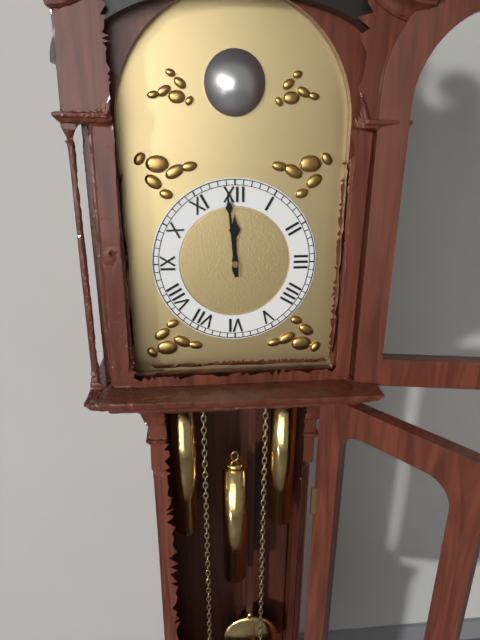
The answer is 11h59
